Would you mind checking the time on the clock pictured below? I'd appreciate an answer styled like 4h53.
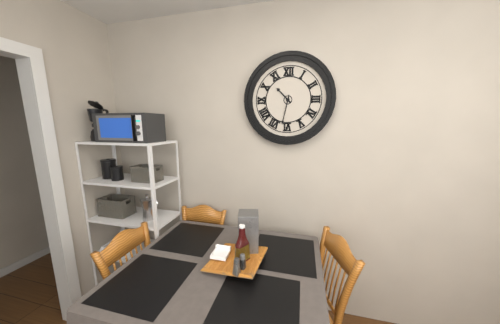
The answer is 10h32
